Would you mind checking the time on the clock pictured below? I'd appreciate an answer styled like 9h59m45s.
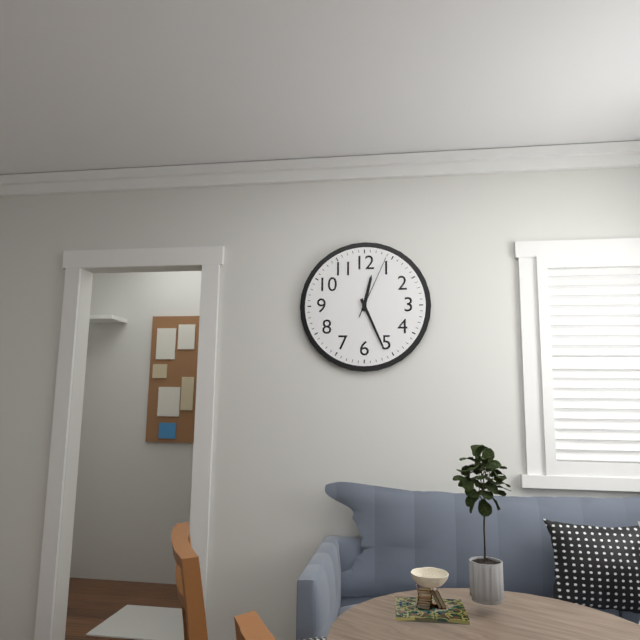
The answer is 12h26m04s
